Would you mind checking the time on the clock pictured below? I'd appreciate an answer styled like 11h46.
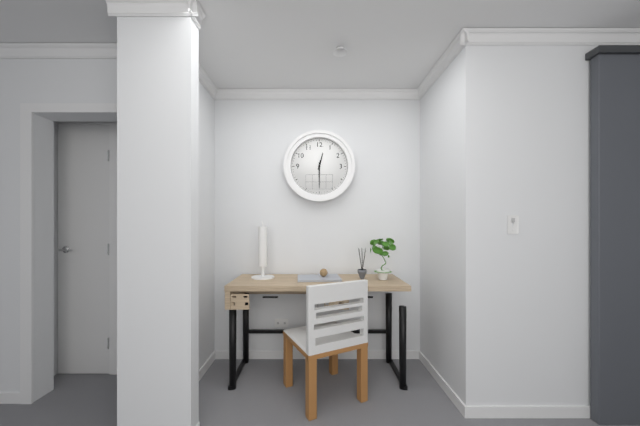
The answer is 12h30
